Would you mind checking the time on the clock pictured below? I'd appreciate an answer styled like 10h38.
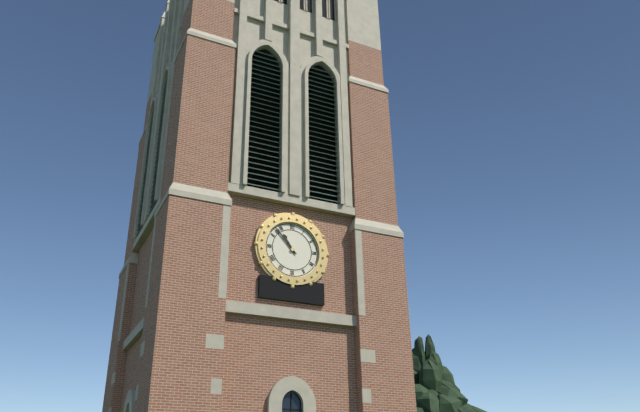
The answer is 10h53
